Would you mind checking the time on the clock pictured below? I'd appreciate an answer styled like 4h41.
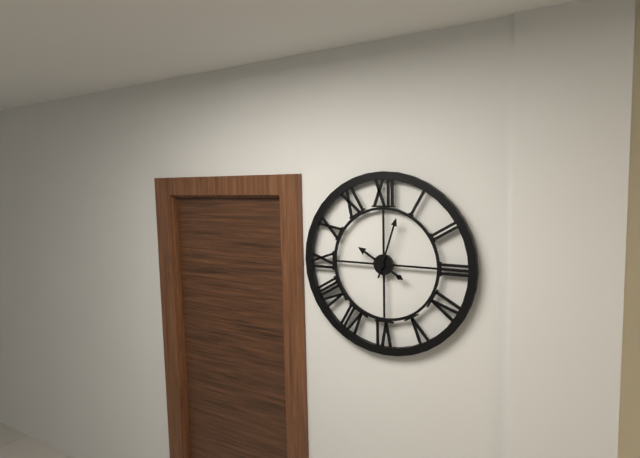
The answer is 10h03
